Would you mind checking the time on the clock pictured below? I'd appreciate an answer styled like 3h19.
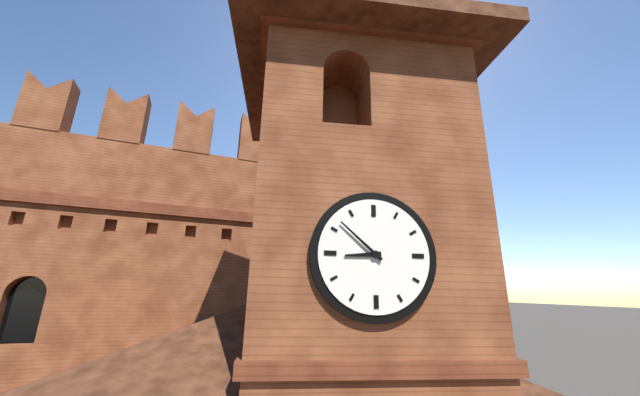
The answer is 8h52
